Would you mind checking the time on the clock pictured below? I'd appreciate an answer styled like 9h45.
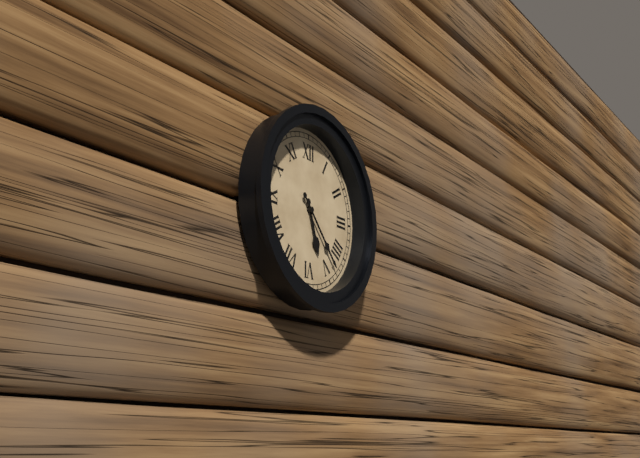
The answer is 5h23
